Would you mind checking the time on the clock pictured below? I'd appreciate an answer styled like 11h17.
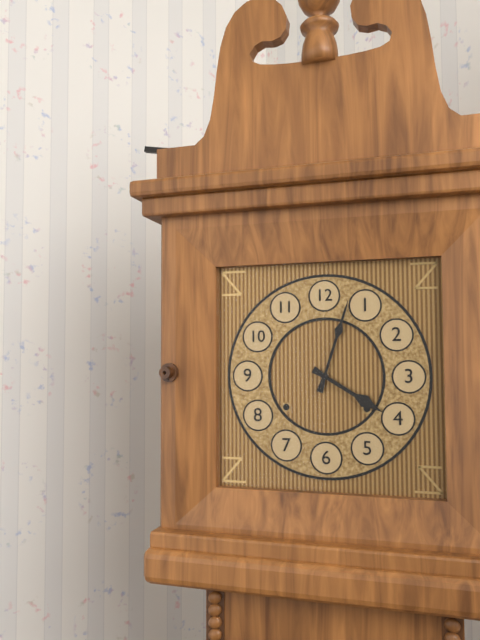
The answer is 4h03
